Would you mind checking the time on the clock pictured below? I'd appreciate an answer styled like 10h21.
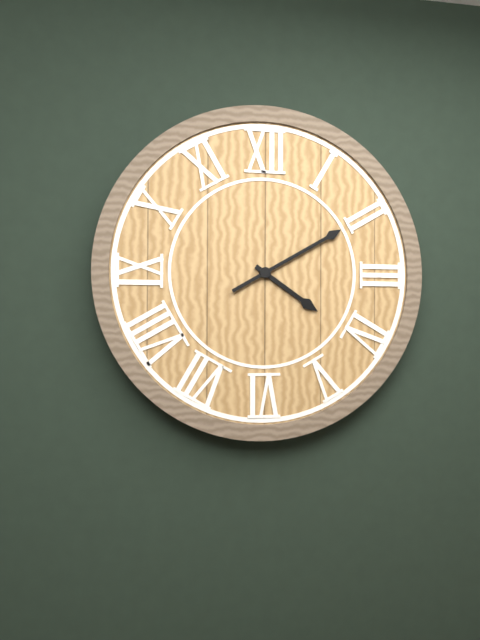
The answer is 4h10
